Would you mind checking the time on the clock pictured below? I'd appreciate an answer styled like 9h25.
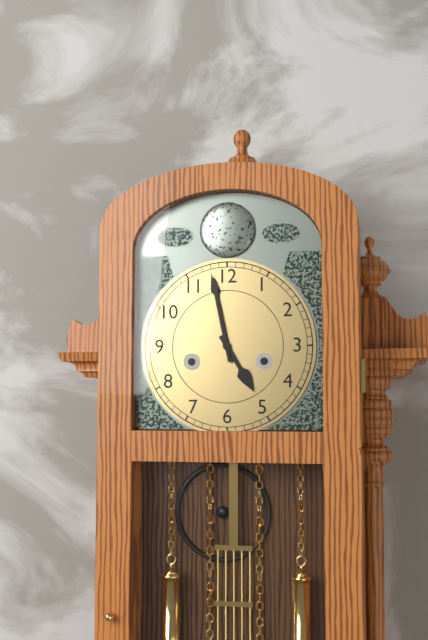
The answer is 4h58
